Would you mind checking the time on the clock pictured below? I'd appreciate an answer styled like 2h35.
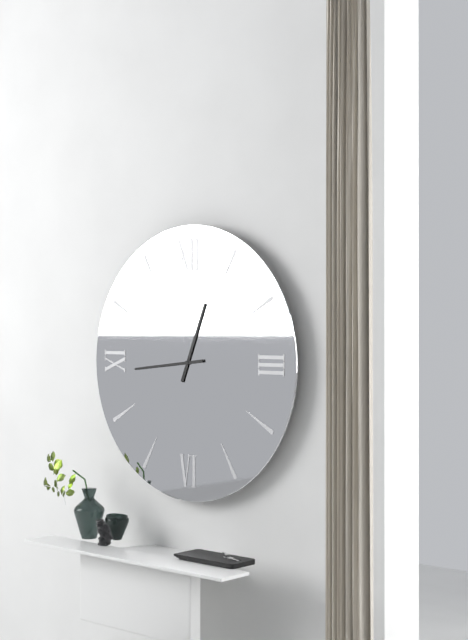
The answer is 12h44
